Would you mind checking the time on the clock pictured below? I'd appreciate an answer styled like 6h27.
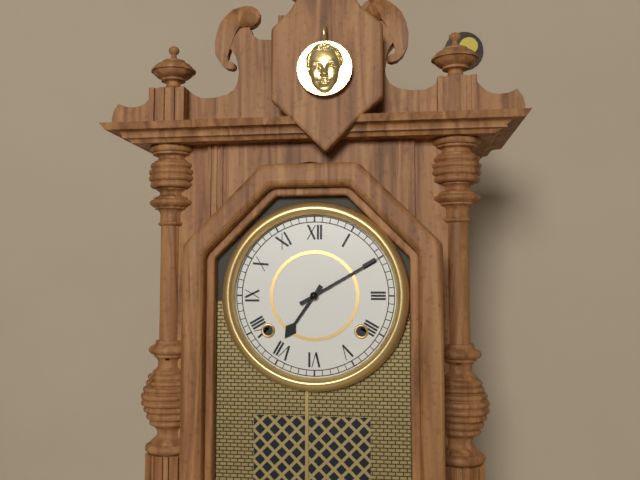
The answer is 7h10
